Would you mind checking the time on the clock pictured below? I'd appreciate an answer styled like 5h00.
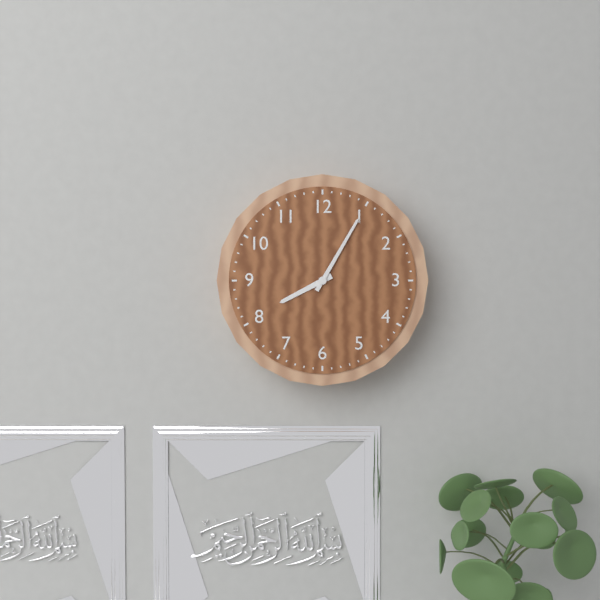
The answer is 8h05
